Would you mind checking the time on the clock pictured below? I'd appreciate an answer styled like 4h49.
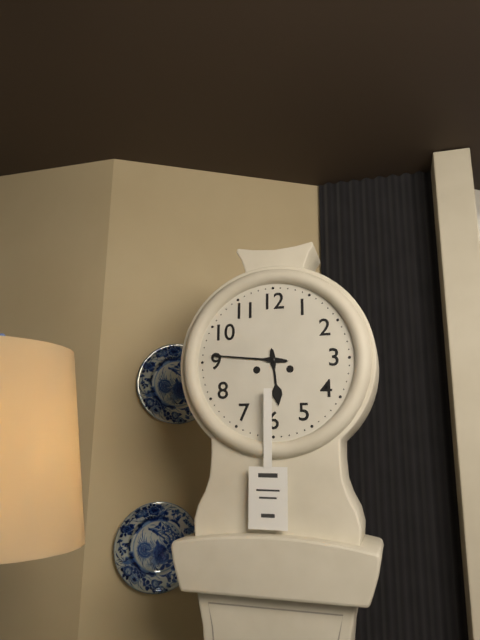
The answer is 5h46
